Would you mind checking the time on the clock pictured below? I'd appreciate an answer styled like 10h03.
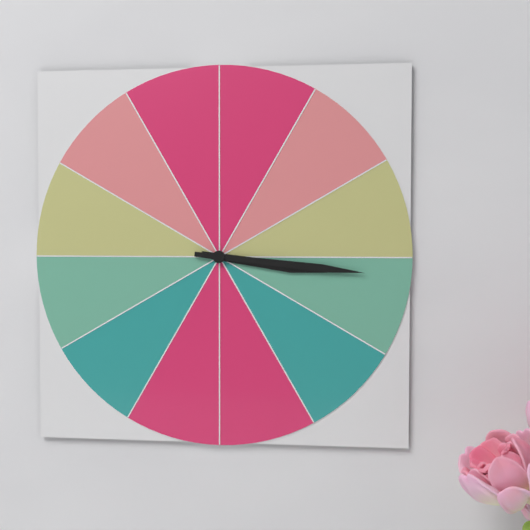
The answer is 3h16
